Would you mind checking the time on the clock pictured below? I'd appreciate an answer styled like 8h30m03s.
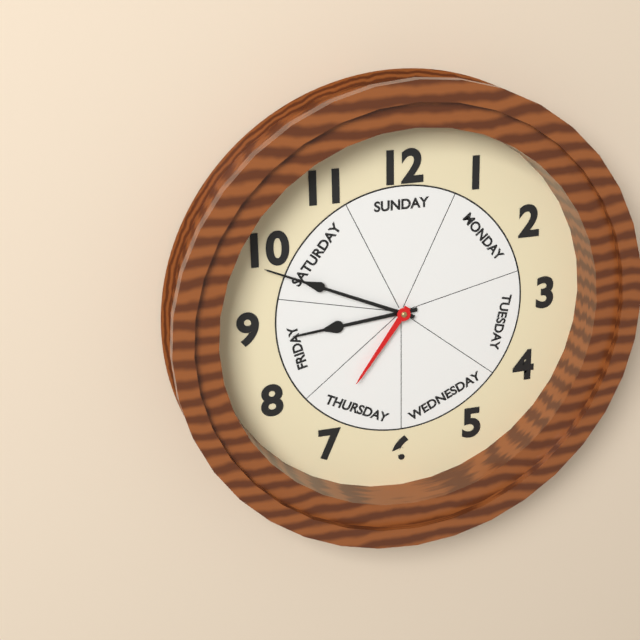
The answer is 8h49m36s
